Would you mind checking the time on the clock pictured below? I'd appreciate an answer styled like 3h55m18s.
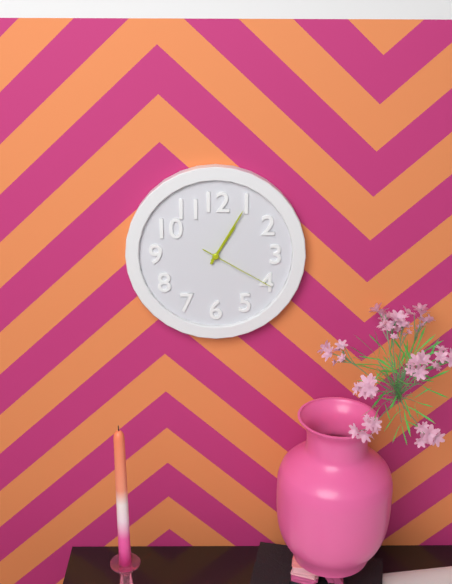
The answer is 1h05m20s
